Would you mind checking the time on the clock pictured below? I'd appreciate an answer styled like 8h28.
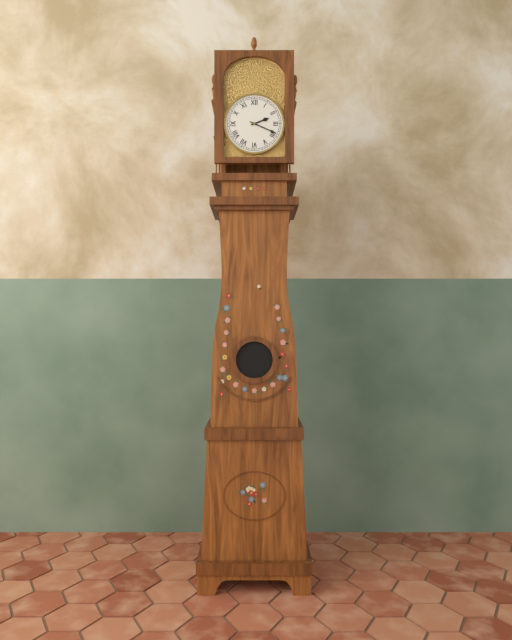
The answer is 2h19
